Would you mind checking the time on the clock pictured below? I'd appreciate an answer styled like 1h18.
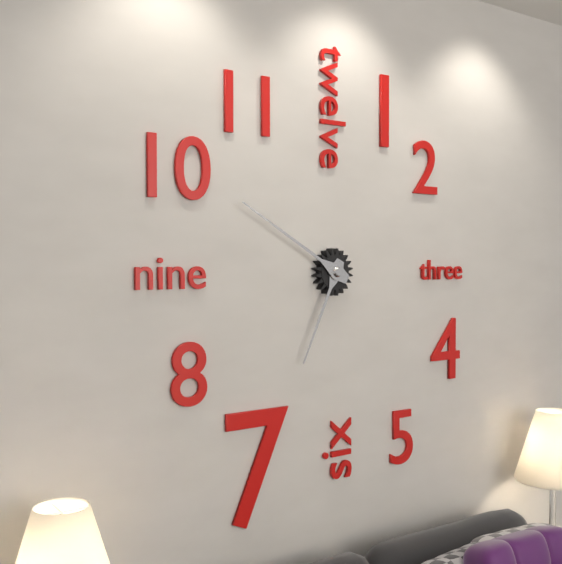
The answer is 6h50
